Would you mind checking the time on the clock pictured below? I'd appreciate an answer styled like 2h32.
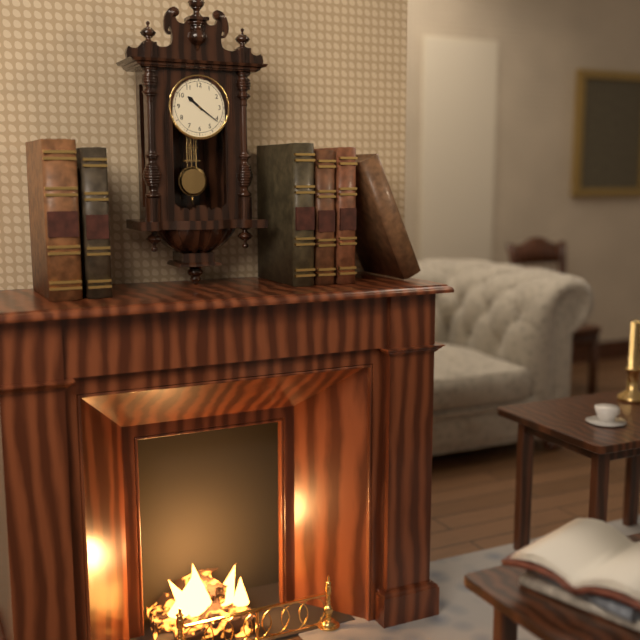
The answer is 10h21
